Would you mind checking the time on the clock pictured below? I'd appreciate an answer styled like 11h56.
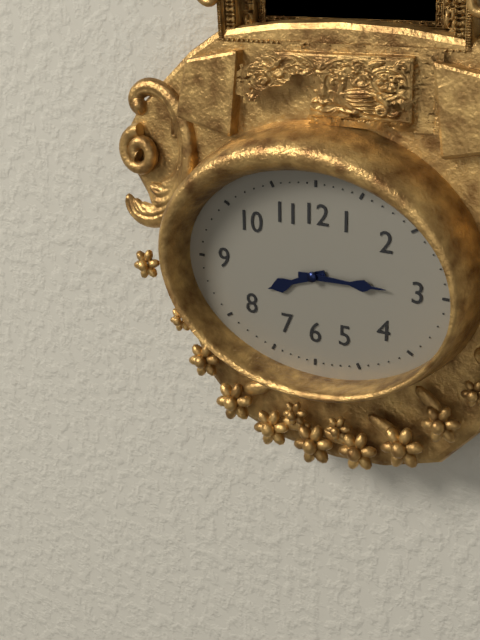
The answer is 8h15
